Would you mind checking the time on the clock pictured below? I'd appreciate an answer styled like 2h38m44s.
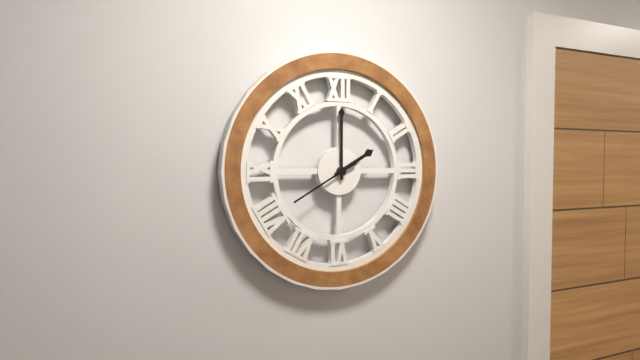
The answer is 2h00m40s
